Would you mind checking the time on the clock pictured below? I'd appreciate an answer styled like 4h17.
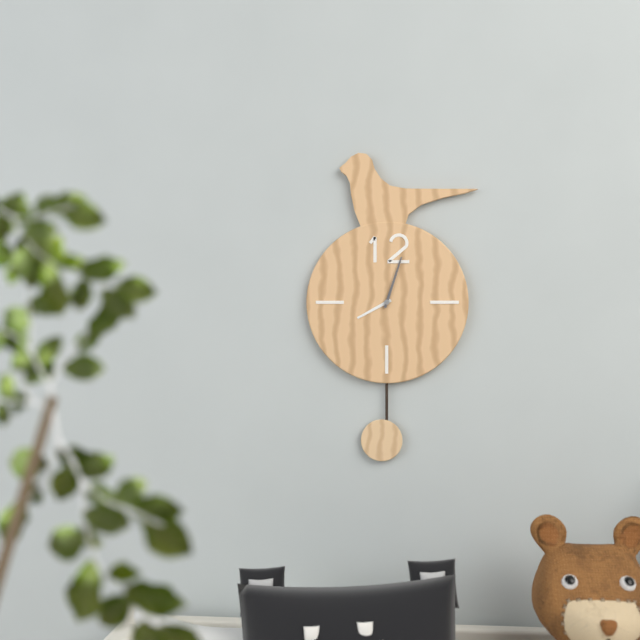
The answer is 8h03
